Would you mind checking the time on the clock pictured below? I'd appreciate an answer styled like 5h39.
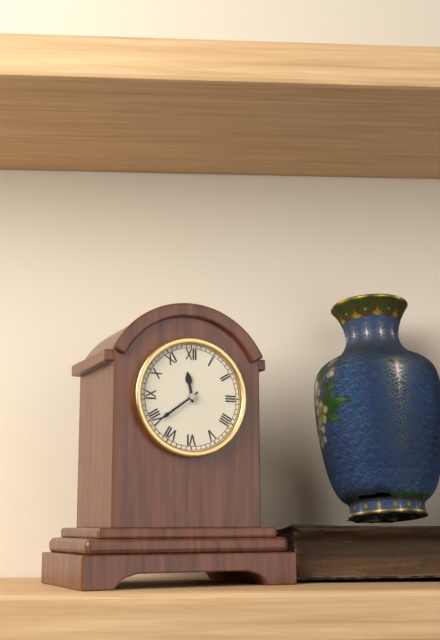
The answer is 11h39
